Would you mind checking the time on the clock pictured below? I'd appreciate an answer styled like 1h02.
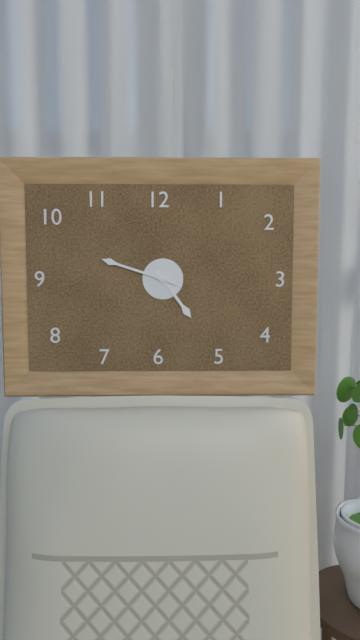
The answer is 4h48
